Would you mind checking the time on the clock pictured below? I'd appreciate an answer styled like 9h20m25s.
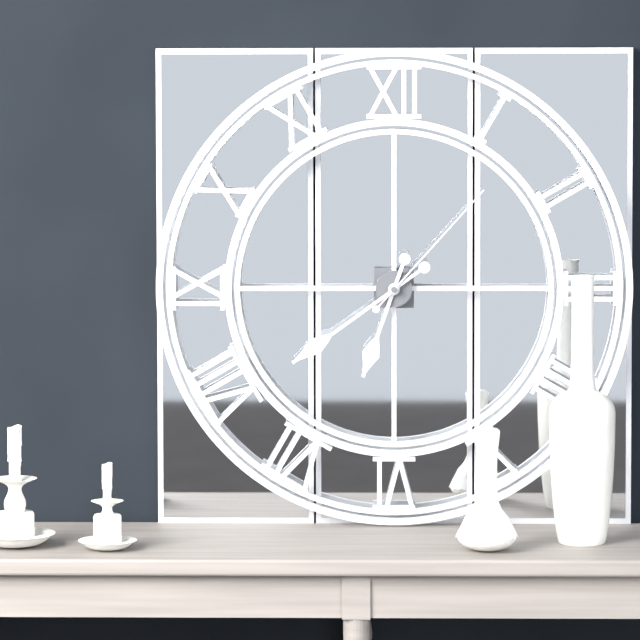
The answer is 6h39m07s
